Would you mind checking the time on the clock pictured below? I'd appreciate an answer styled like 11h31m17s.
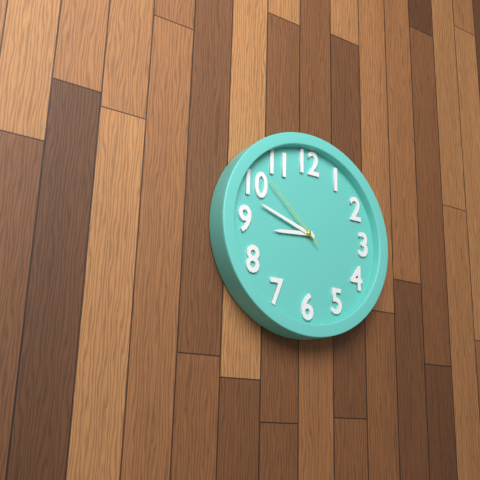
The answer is 8h48m52s
